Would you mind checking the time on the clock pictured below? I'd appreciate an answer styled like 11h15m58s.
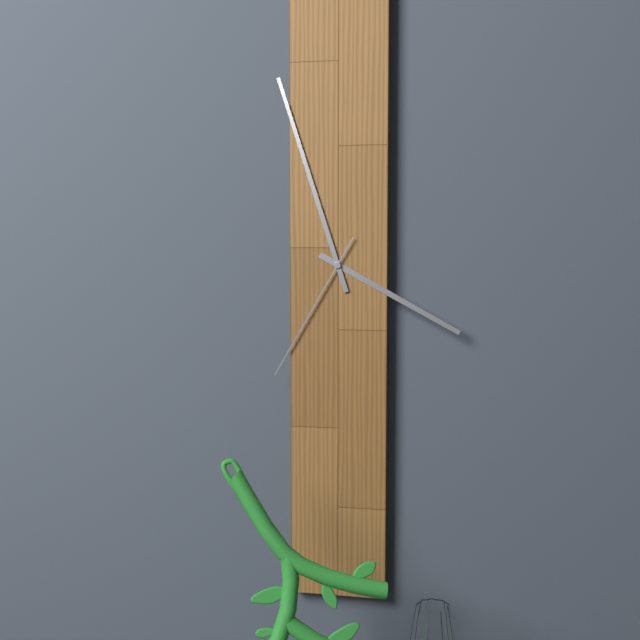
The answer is 3h57m35s
